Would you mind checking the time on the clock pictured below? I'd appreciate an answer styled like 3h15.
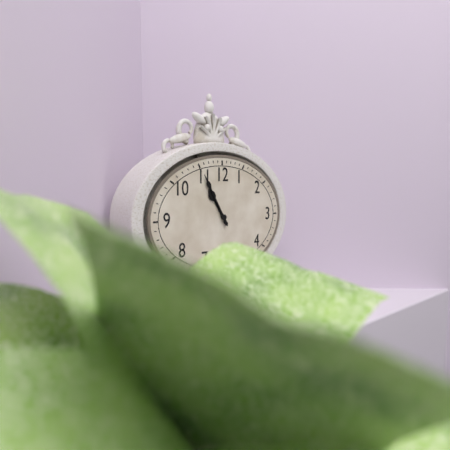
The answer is 10h55
